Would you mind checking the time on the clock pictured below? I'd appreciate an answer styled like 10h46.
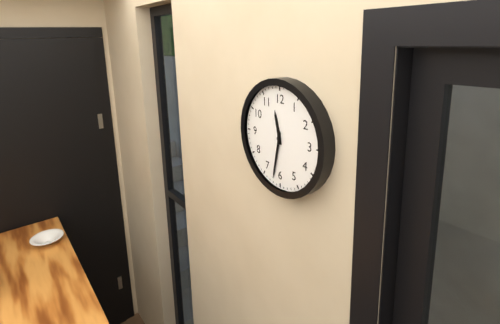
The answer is 11h32
